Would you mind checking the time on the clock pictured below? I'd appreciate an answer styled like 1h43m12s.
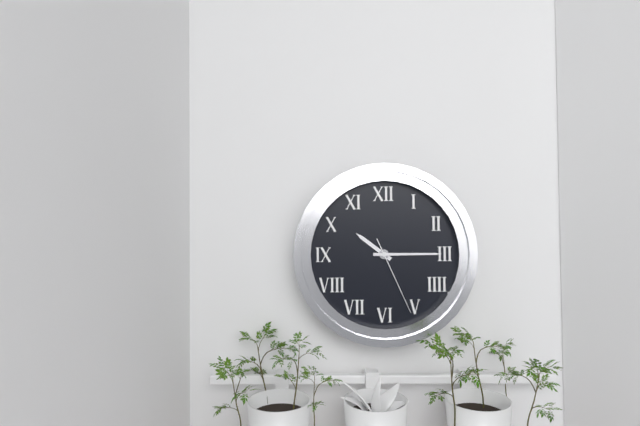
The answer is 10h15m26s
